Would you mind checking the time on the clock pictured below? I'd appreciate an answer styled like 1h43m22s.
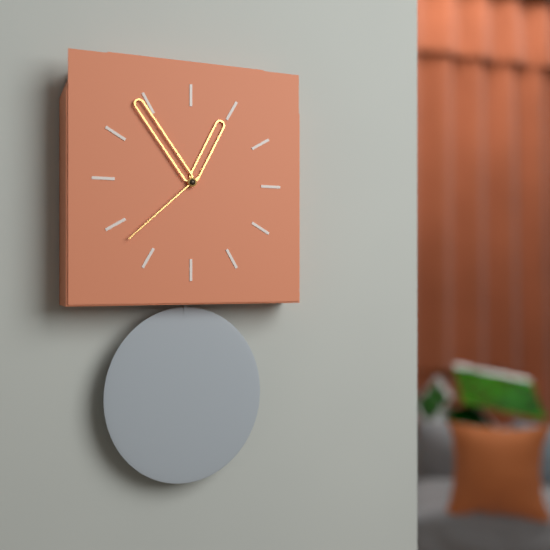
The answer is 12h54m38s
